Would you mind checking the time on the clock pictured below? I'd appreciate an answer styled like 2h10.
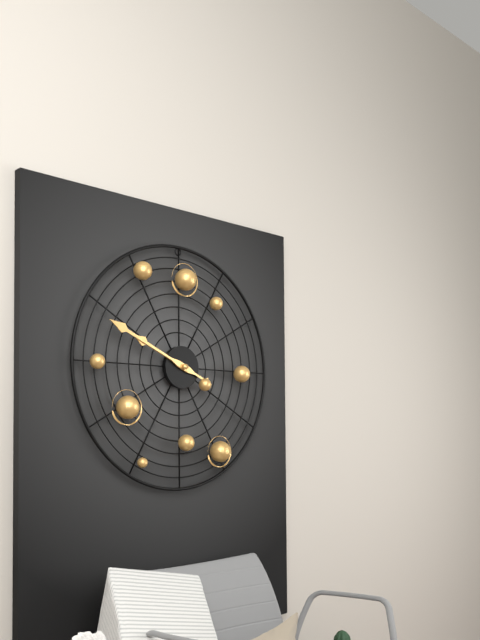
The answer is 9h49
